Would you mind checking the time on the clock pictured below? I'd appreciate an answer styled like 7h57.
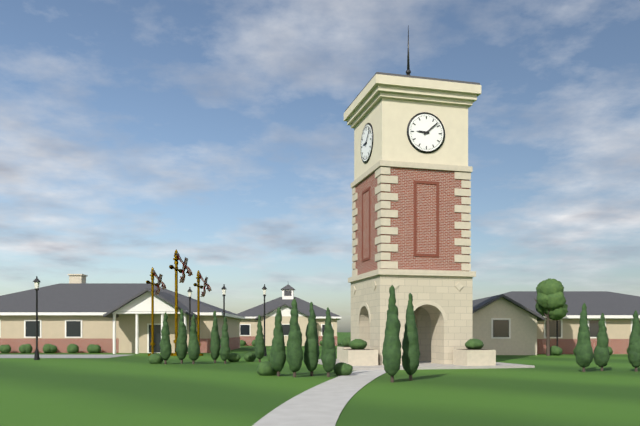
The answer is 9h08
